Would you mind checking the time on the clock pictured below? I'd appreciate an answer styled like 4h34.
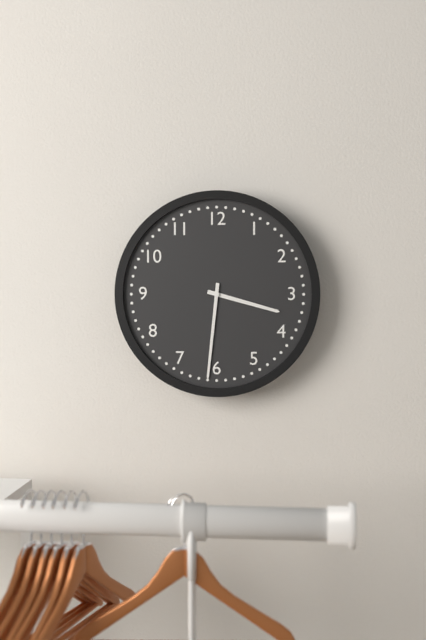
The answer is 3h31
